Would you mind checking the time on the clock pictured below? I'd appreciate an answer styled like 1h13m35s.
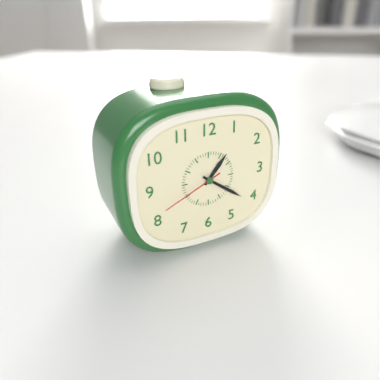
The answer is 1h21m41s
